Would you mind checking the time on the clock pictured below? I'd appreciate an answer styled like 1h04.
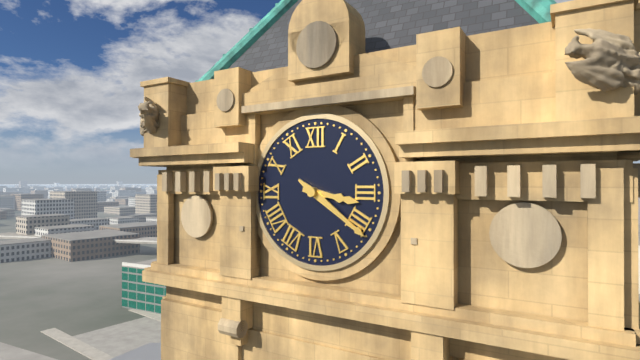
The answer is 3h21
